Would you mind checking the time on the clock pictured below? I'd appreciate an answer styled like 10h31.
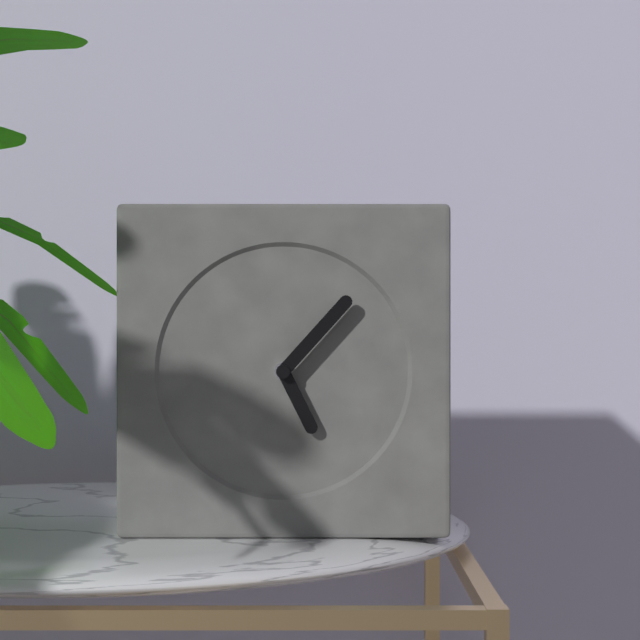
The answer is 5h07
